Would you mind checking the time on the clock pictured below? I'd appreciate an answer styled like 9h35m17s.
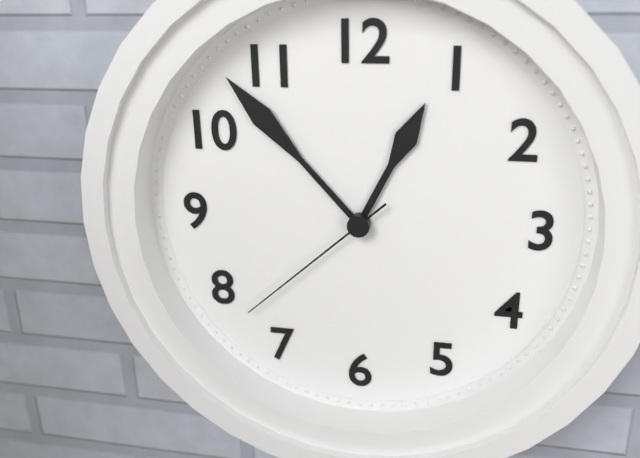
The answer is 12h53m38s
